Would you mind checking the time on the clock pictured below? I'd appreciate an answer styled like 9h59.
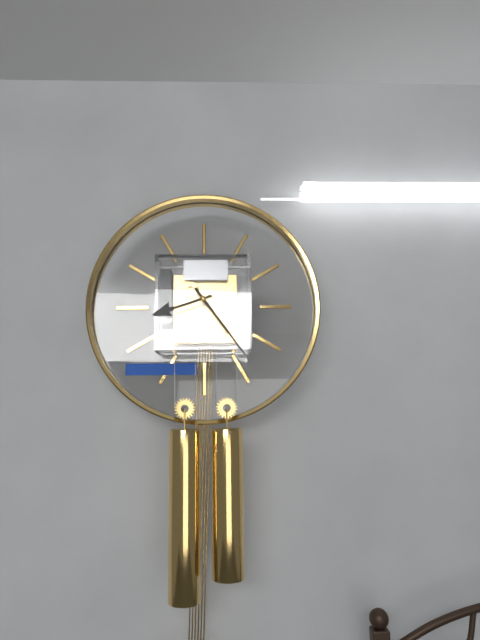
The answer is 8h24
